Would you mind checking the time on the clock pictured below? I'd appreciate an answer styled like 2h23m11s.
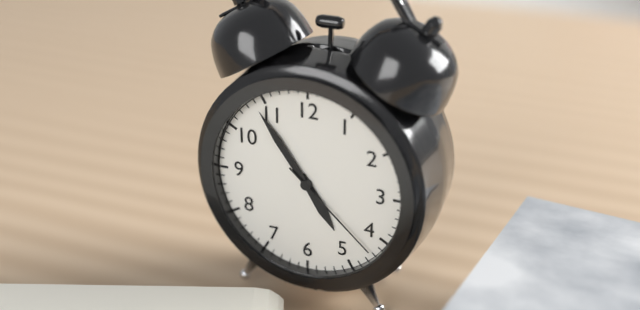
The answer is 4h54m22s
